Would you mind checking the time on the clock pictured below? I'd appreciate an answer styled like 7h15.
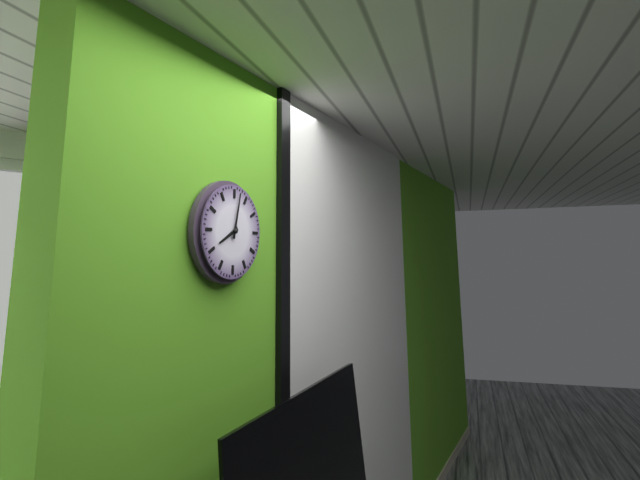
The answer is 8h02
